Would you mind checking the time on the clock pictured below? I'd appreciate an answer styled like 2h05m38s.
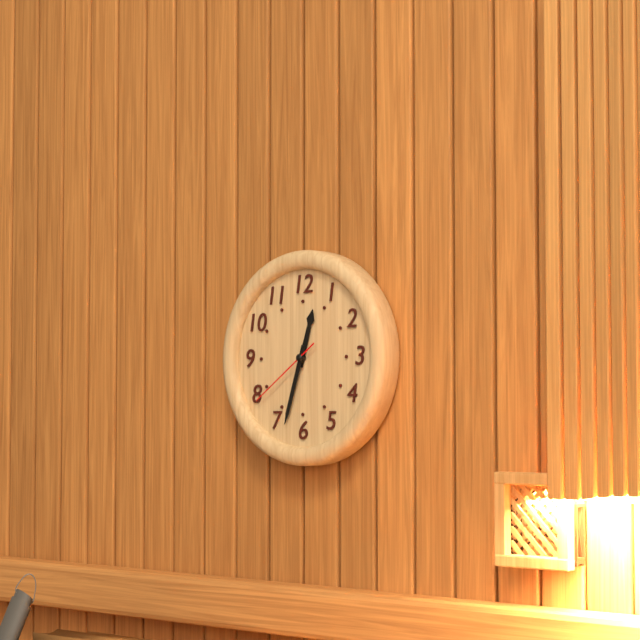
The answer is 12h33m39s
